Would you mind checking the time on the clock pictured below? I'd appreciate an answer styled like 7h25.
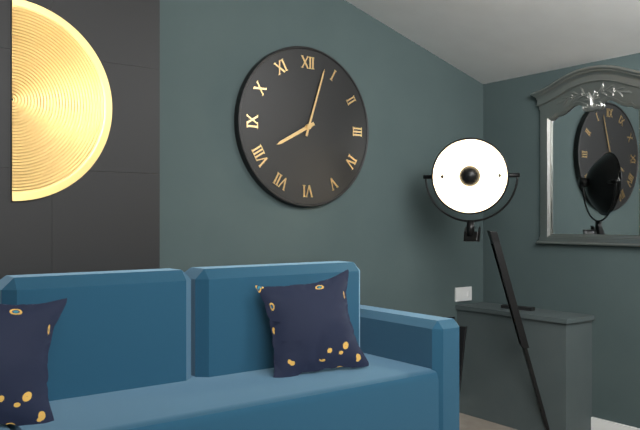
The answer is 8h03
